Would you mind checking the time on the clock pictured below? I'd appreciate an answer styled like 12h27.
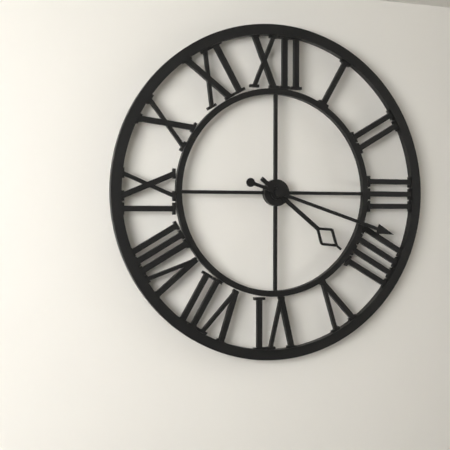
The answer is 4h18
